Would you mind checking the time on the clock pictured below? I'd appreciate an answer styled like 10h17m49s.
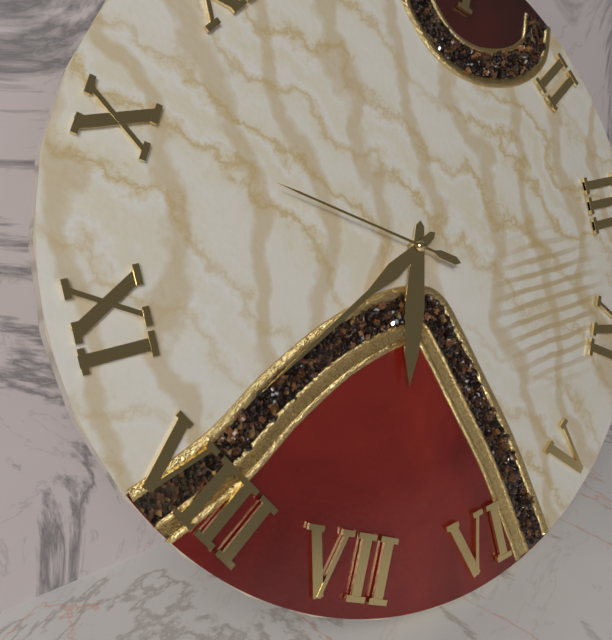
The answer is 6h41m50s
